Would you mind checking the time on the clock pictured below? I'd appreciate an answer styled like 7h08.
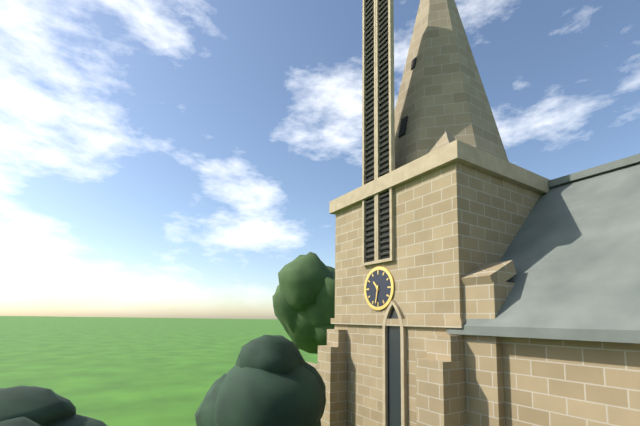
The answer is 10h32
